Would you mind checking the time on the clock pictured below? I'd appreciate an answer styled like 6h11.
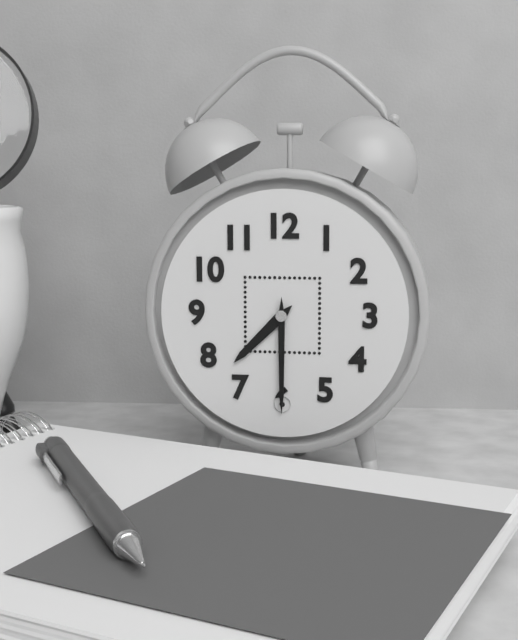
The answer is 7h30
